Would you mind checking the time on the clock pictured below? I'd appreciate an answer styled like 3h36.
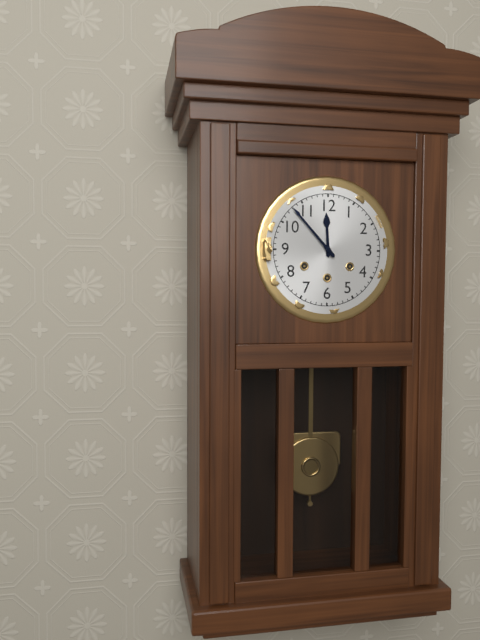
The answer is 11h53
